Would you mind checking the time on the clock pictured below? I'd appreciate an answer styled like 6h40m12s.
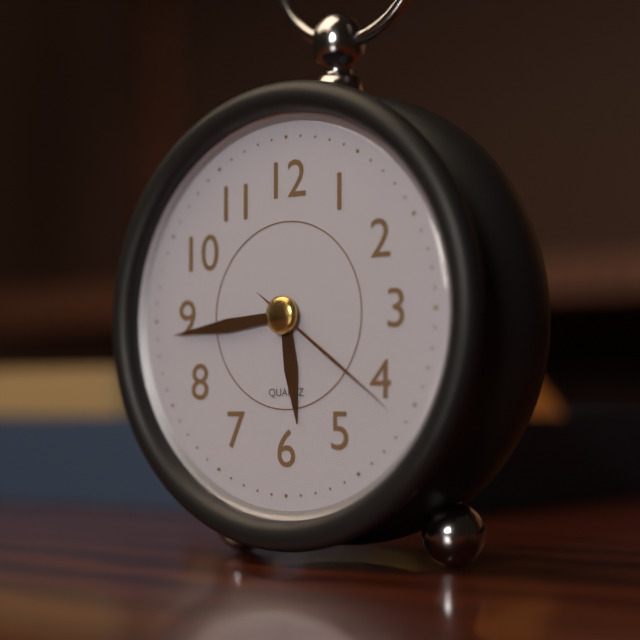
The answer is 5h44m21s
